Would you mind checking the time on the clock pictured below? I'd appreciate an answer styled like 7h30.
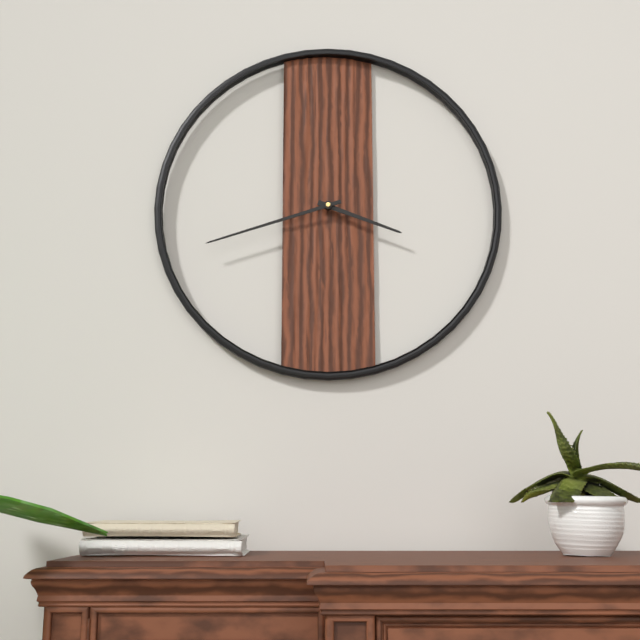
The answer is 3h42
